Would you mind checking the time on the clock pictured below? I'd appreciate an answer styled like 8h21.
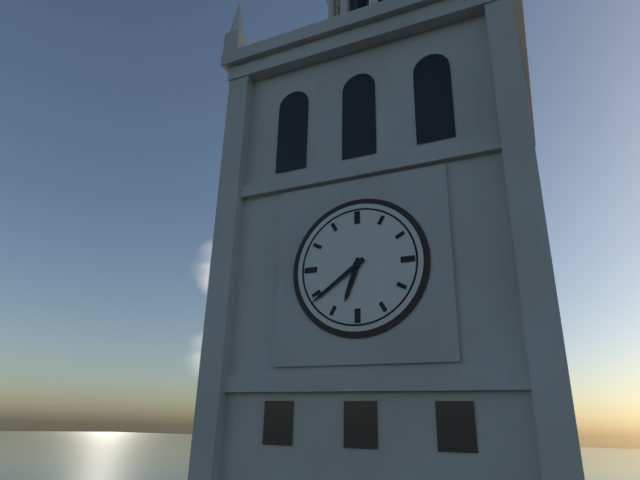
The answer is 6h39
